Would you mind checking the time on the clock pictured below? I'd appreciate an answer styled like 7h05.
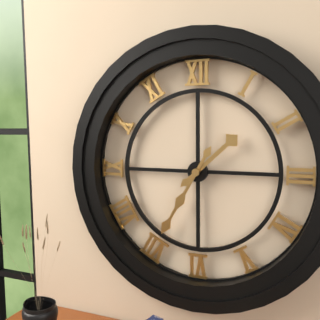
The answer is 1h35
